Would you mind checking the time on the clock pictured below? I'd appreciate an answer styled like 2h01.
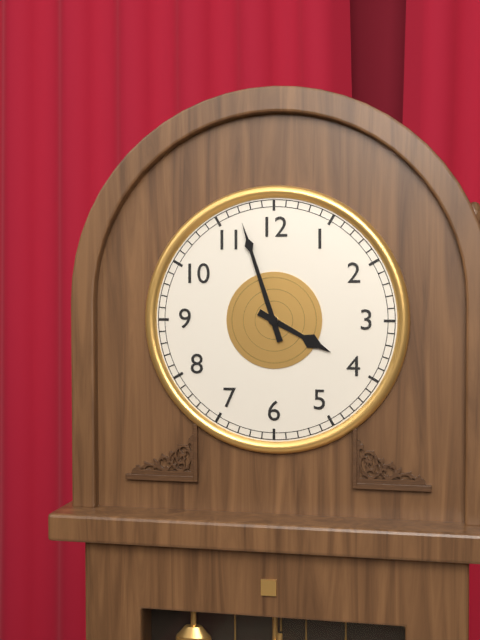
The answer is 3h57
